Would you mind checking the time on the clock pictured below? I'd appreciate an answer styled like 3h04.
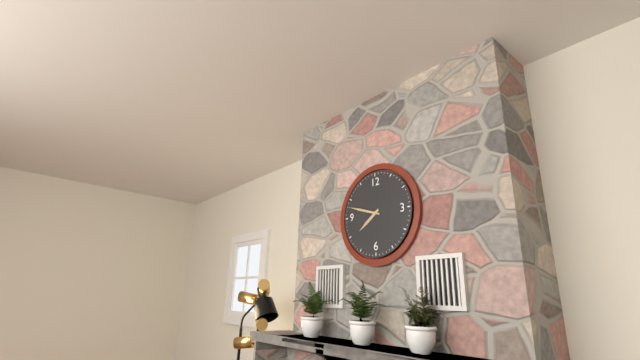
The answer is 7h48
